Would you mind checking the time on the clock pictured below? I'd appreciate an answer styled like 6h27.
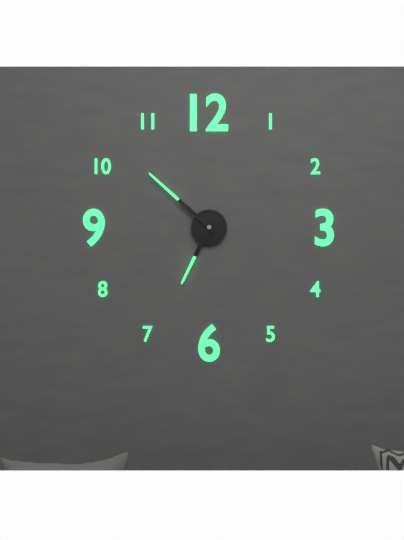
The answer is 6h52
